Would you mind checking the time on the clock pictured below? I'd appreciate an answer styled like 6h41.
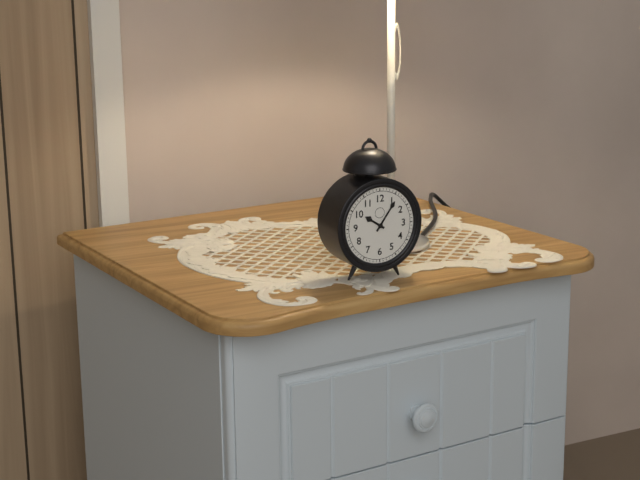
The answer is 10h06
